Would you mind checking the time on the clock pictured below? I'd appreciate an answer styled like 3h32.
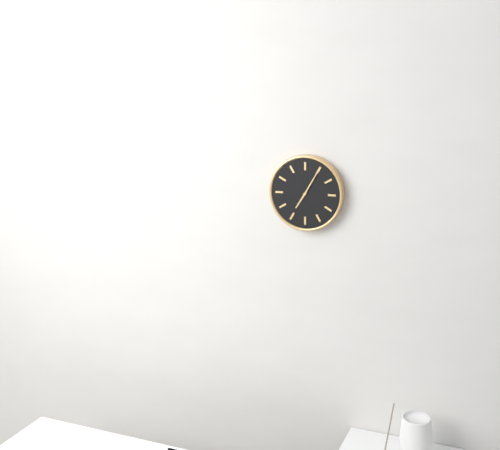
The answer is 7h05
